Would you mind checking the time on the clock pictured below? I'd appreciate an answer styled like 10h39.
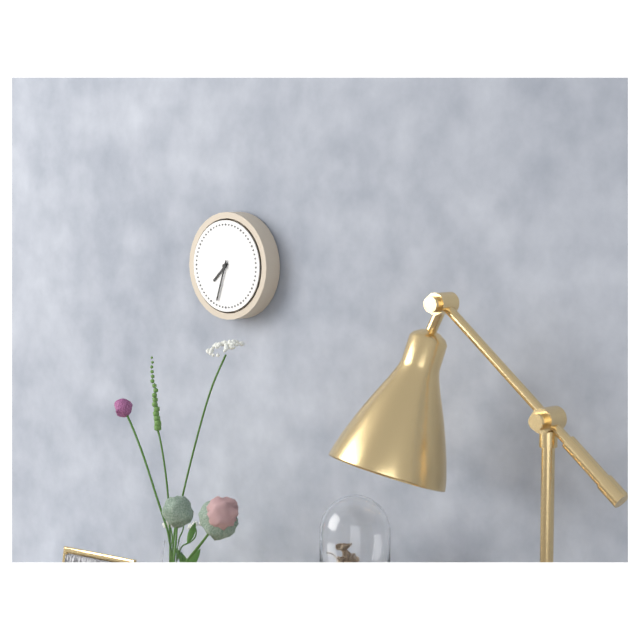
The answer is 7h33
